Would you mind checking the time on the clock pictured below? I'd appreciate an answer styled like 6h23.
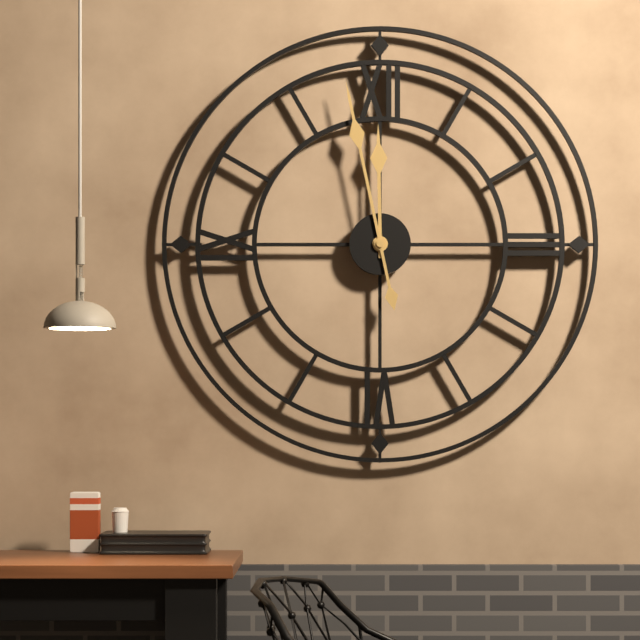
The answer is 11h58
